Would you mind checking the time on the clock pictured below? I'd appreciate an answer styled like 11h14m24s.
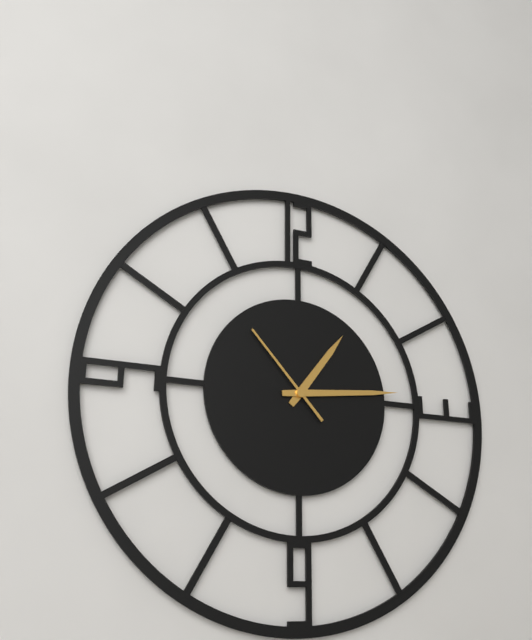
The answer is 1h14m53s
